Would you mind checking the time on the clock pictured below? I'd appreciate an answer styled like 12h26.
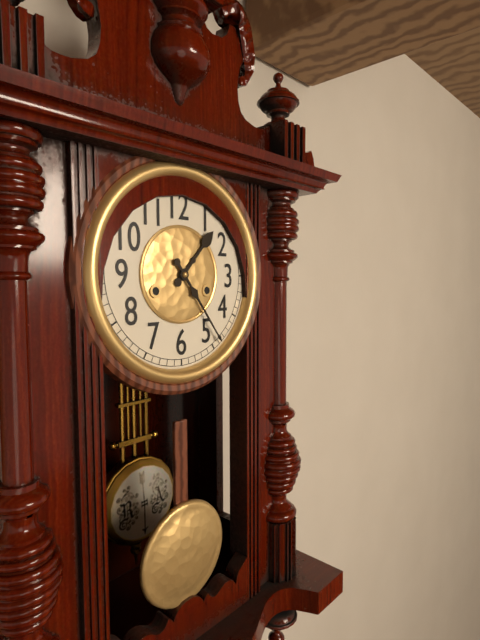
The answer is 1h24
